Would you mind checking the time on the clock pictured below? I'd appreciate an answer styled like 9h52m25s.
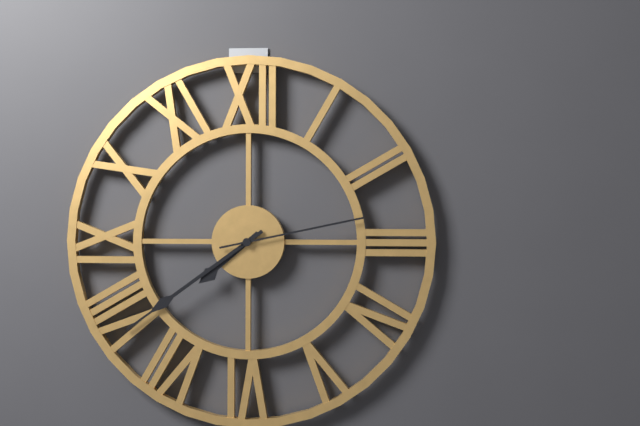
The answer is 7h39m13s
